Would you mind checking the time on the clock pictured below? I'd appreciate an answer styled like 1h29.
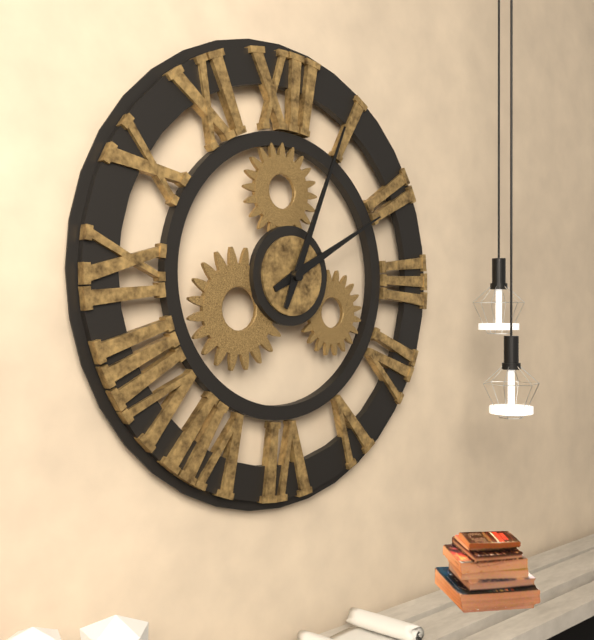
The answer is 2h04
